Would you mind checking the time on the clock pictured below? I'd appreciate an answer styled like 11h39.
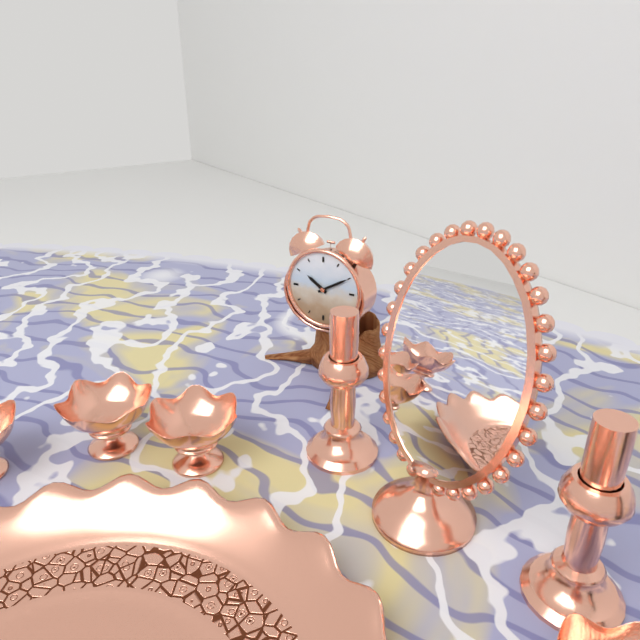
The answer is 10h10
